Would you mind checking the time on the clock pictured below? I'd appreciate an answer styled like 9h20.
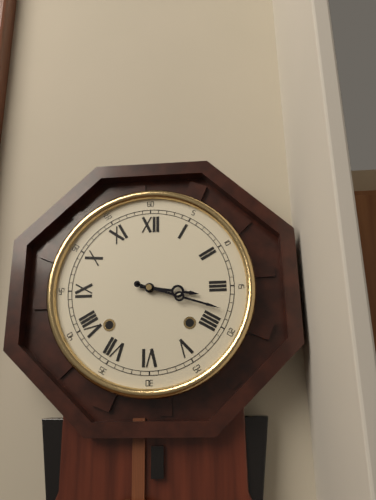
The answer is 3h18
